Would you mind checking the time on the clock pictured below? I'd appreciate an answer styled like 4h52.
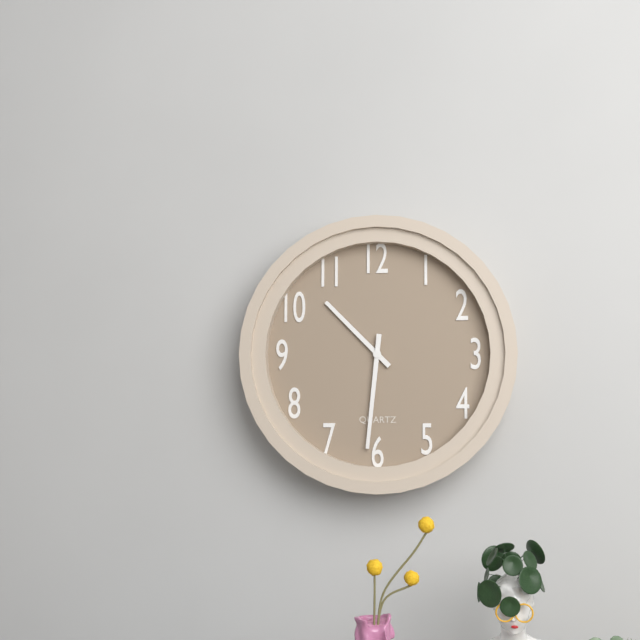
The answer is 10h31
